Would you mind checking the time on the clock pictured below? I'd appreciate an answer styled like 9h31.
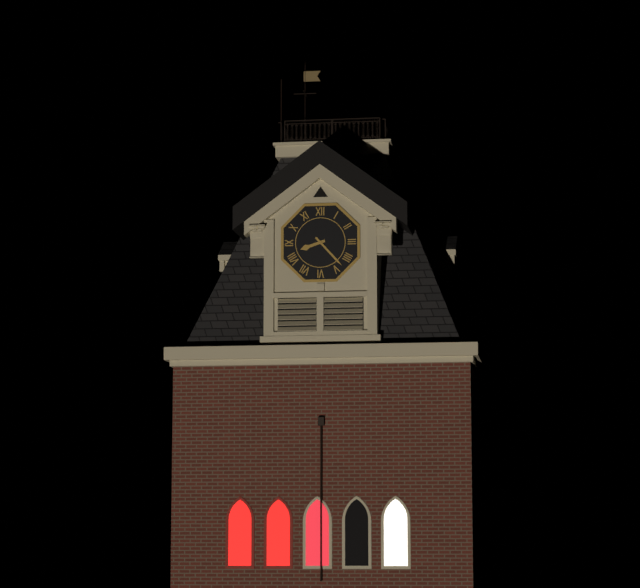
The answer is 8h23
